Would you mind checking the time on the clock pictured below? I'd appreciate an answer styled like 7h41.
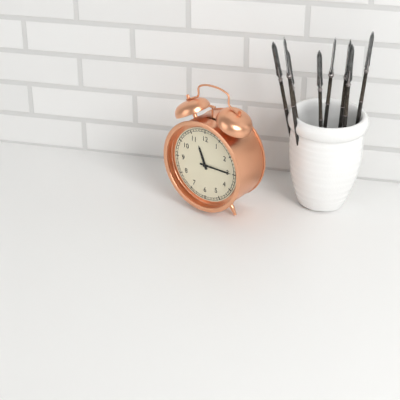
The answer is 11h15
